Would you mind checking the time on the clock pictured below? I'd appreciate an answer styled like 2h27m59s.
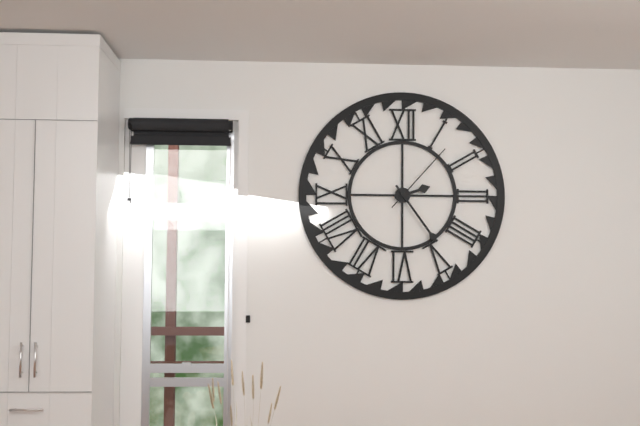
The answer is 2h24m07s
